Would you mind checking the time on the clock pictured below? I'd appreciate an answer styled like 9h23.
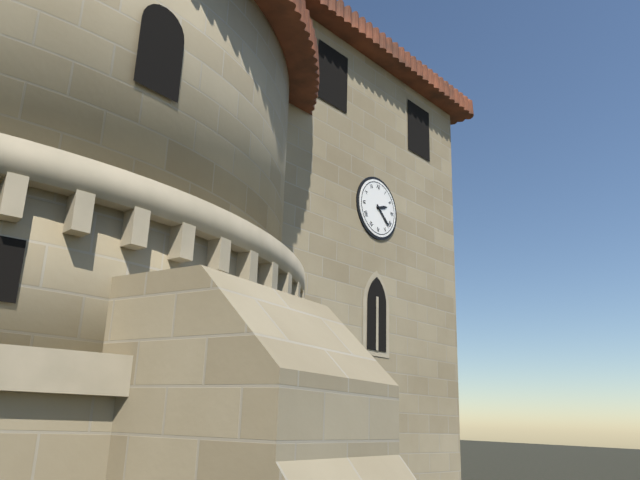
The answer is 2h22
